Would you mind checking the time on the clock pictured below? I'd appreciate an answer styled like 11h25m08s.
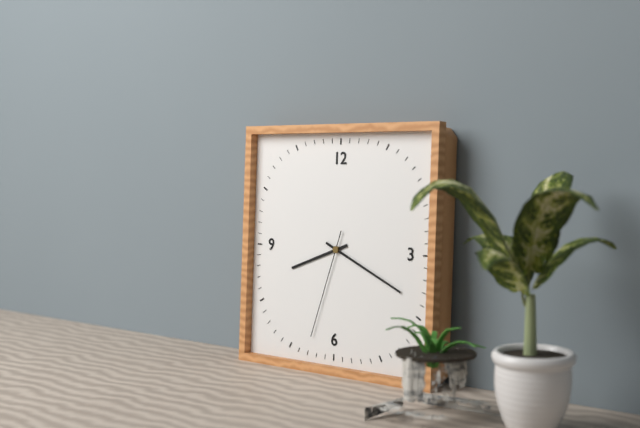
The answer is 8h19m33s
